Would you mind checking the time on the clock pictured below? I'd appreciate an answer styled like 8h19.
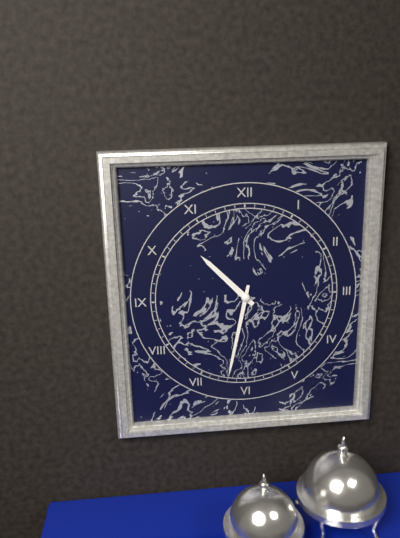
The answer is 10h32
